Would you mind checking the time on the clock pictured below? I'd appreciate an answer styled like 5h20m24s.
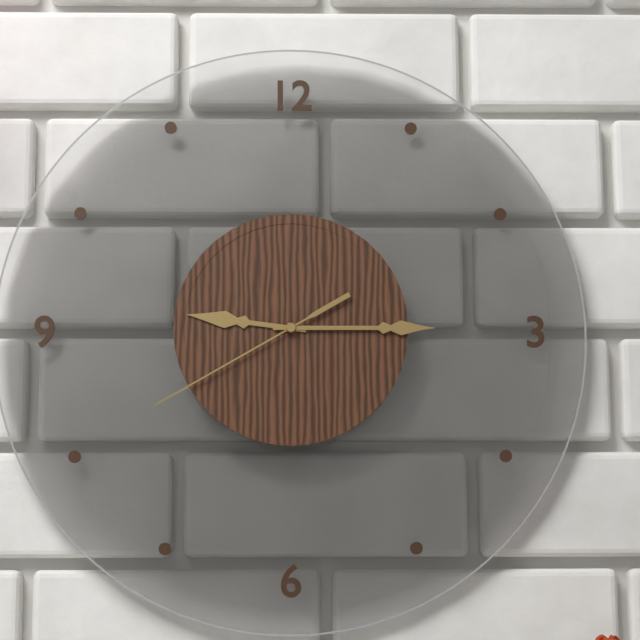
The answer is 9h15m40s
